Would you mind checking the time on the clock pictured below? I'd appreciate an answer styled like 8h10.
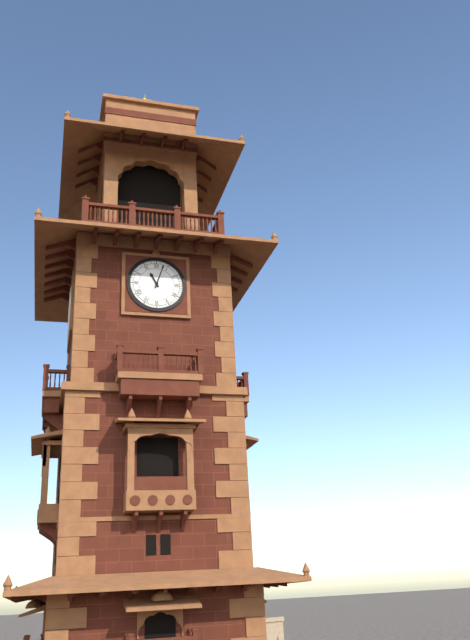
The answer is 11h03
